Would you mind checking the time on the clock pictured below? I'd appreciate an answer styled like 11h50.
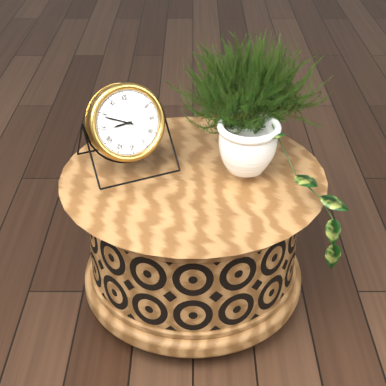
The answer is 8h49
